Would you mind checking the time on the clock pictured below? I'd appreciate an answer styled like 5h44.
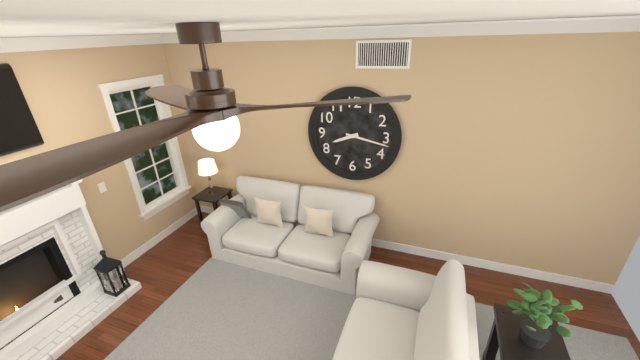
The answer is 8h17
